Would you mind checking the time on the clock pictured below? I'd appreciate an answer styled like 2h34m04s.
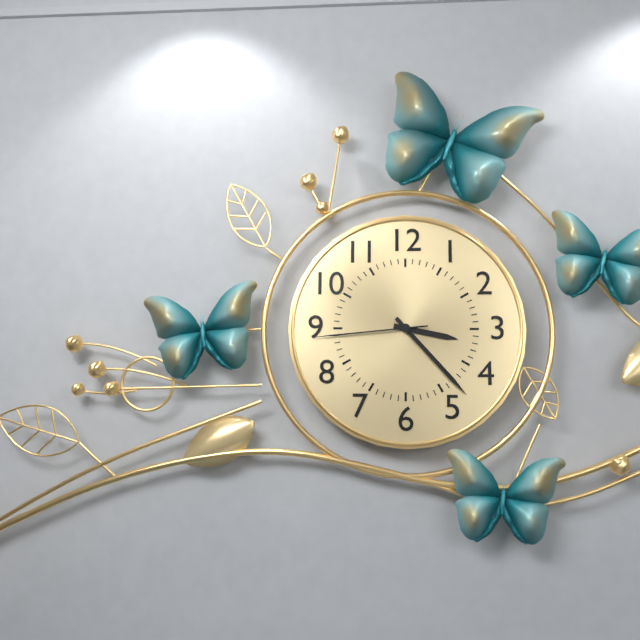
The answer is 3h23m44s
